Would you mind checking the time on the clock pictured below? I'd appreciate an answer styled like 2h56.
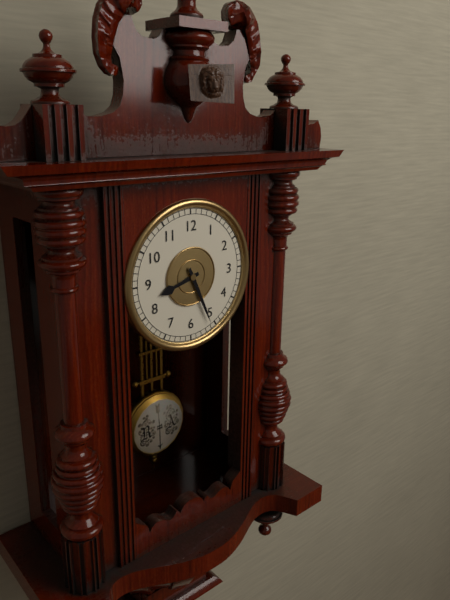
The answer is 8h26
